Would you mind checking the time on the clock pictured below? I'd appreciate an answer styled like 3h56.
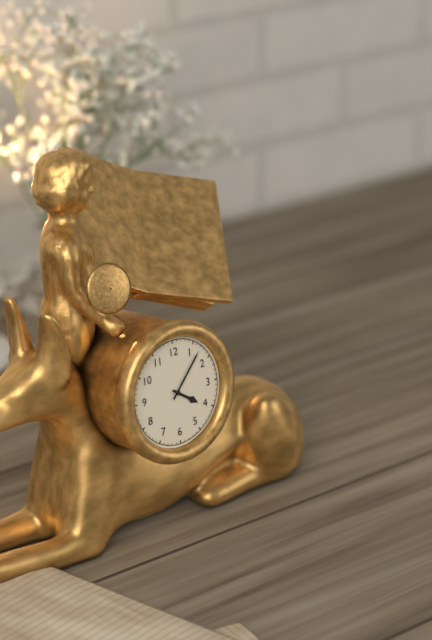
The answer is 4h07
